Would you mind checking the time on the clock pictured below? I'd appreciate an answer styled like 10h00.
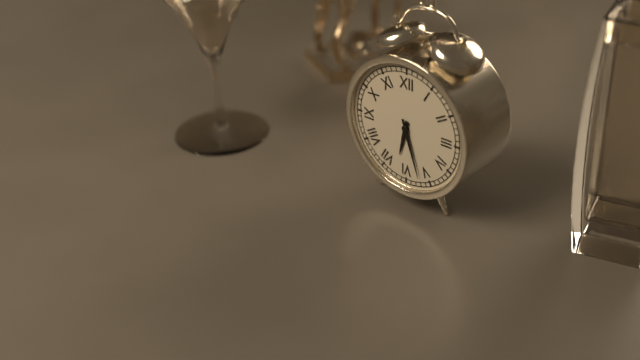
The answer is 6h27
